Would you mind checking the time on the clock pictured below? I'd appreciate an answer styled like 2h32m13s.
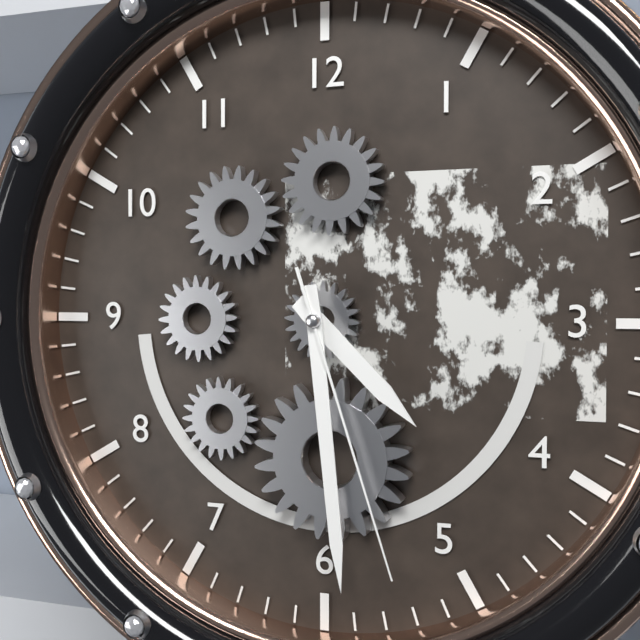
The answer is 4h29m27s
